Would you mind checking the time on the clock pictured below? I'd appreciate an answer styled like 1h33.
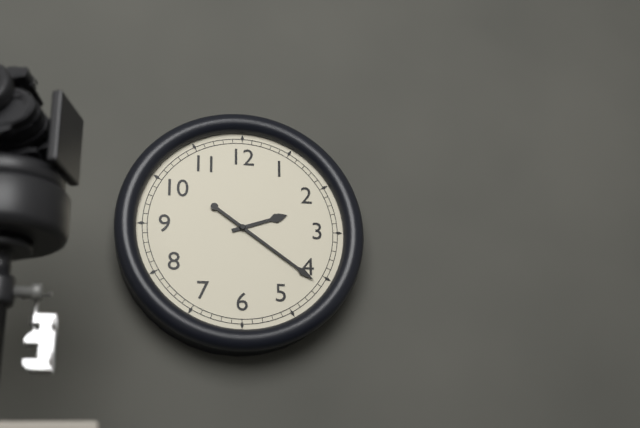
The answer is 2h21
